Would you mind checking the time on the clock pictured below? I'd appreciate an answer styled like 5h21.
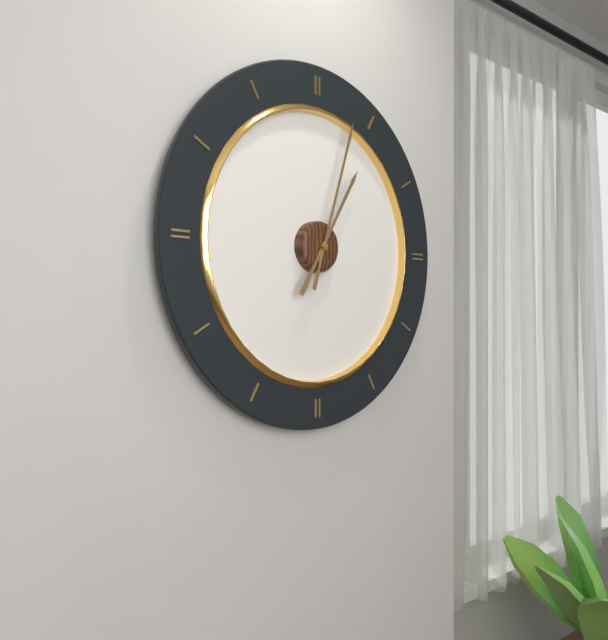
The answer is 1h03
